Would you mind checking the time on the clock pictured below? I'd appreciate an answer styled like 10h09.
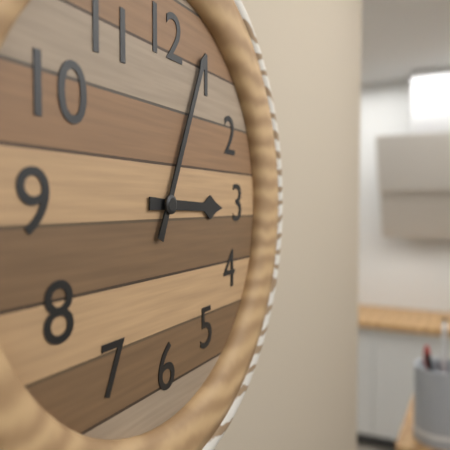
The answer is 3h04
